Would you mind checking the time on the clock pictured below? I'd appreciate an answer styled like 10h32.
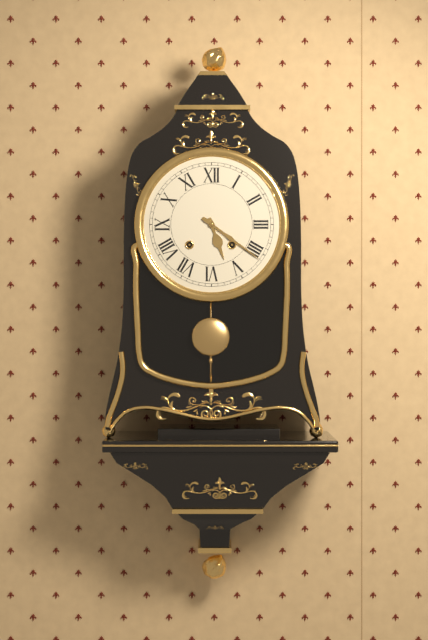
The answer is 5h21
